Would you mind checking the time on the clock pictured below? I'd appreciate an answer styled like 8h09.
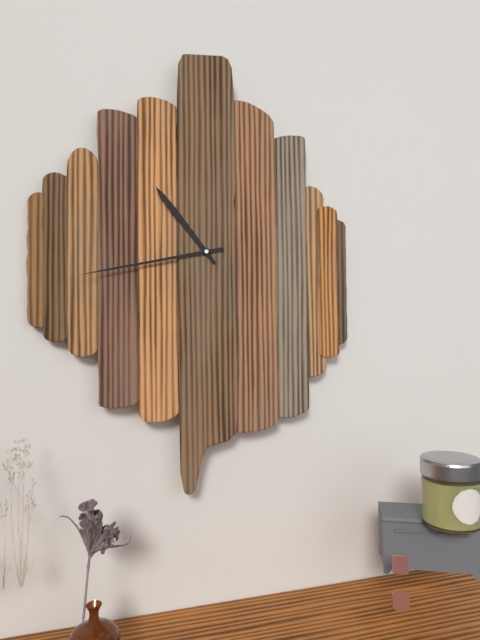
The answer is 10h43
